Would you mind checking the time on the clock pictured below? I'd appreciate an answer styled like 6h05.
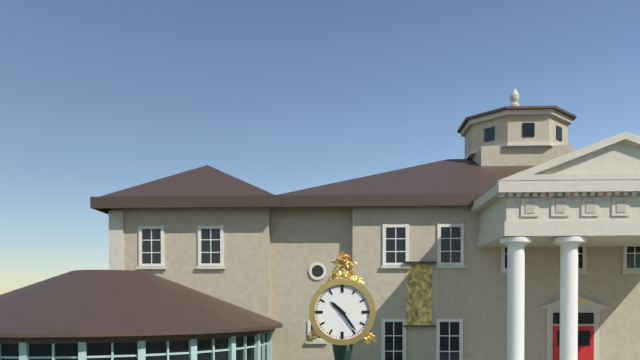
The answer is 10h24
